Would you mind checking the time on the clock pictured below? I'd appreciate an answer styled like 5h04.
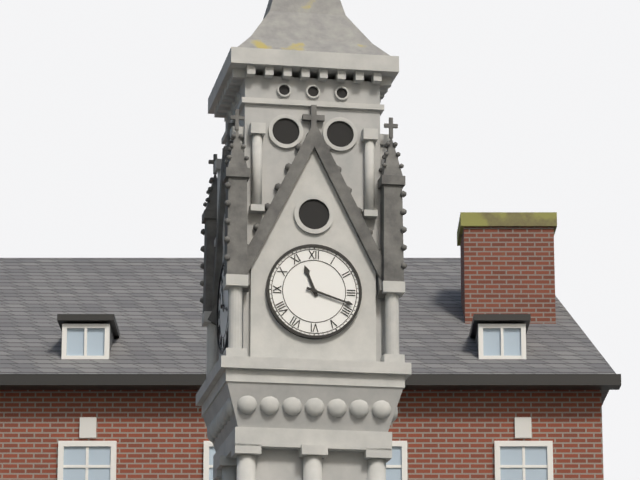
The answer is 11h18
